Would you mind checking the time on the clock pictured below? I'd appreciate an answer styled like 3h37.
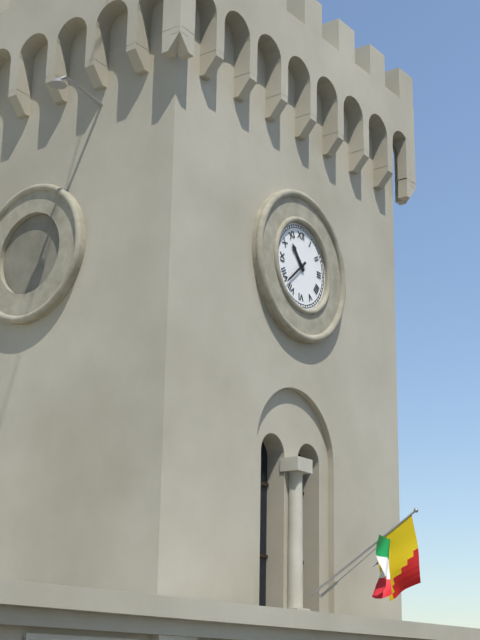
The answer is 10h38
